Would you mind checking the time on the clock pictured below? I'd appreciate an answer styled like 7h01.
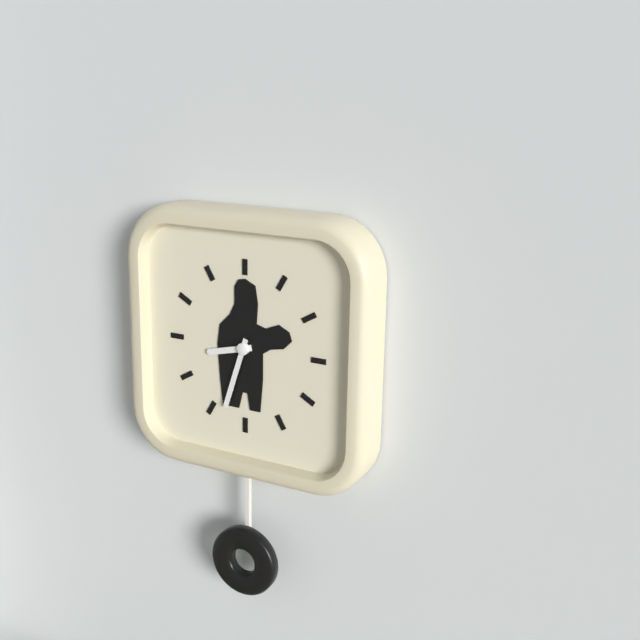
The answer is 8h33
